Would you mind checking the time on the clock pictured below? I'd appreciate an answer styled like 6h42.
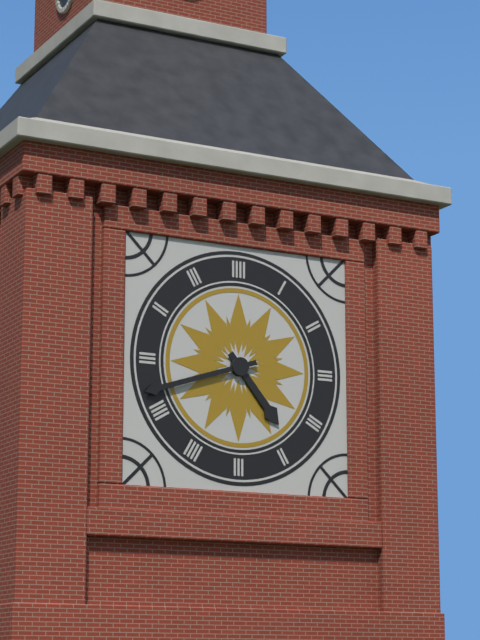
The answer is 4h42
